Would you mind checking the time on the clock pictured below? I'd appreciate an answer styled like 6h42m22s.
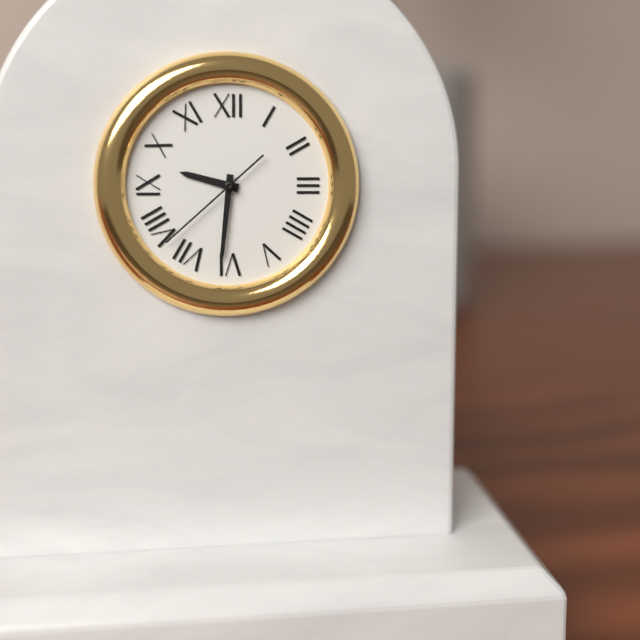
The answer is 9h31m38s
